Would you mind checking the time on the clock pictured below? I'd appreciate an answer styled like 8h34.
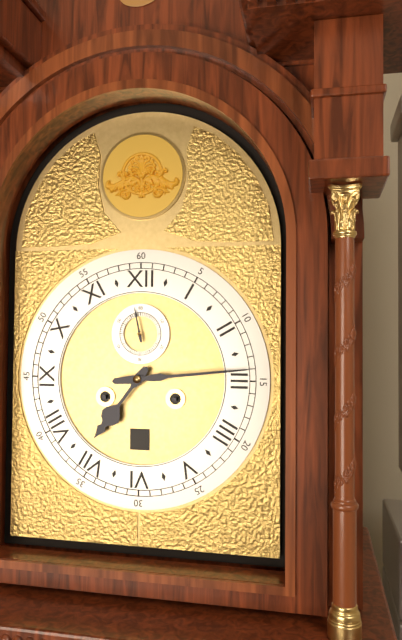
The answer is 7h14
